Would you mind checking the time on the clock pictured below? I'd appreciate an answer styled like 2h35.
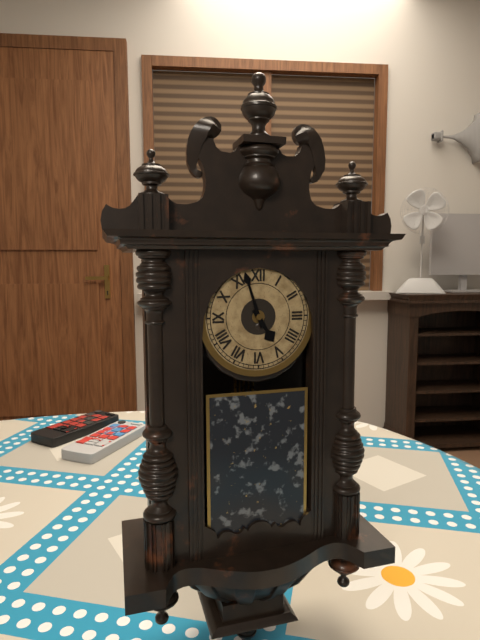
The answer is 4h57
